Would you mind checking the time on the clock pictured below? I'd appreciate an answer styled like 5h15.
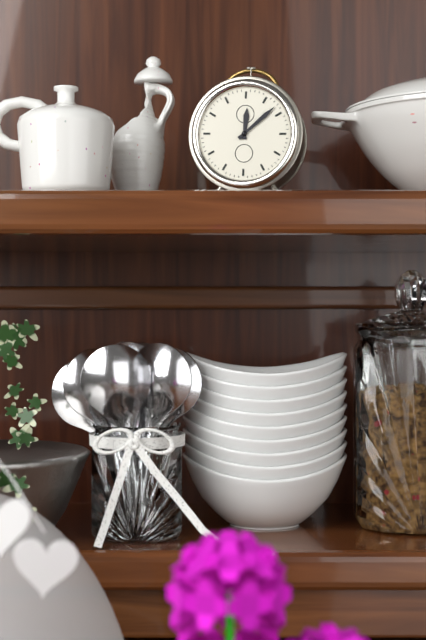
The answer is 12h08
